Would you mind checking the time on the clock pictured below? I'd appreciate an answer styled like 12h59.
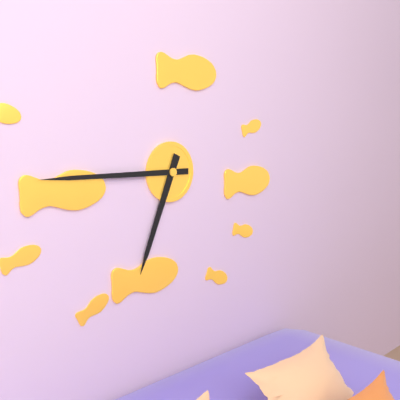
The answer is 6h45
